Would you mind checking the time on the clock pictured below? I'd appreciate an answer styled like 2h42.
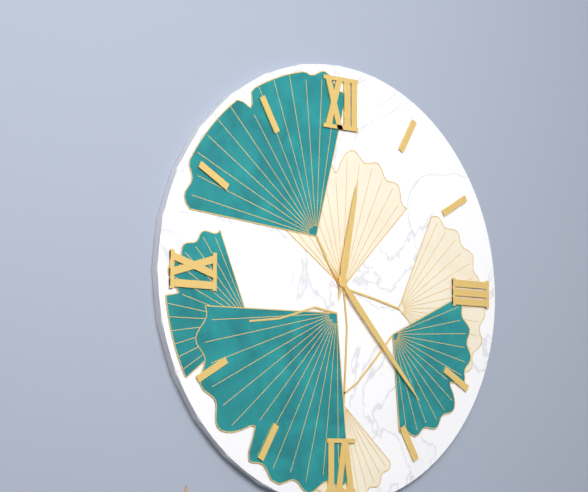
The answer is 12h23
